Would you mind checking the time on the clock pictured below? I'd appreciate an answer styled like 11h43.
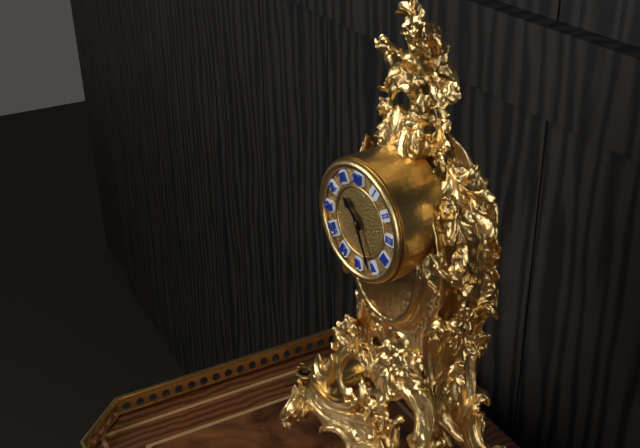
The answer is 10h26
